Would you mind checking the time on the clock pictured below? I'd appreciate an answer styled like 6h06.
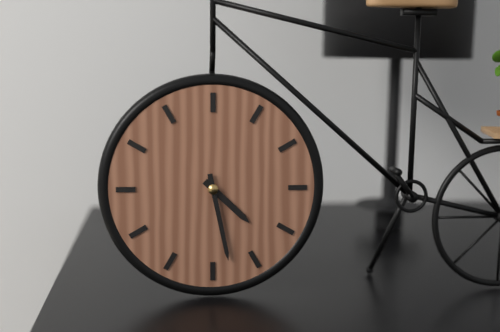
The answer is 4h28
